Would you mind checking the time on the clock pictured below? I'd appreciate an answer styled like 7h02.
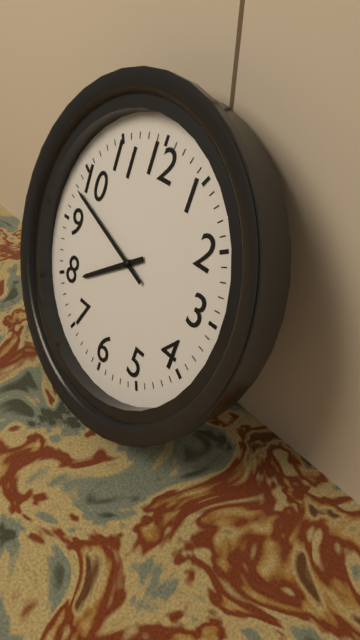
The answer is 7h48
